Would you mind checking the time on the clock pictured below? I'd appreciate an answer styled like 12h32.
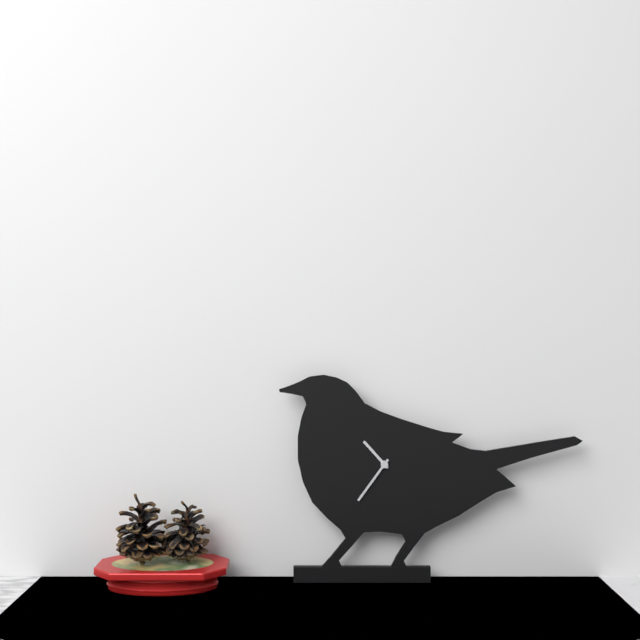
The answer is 10h36
